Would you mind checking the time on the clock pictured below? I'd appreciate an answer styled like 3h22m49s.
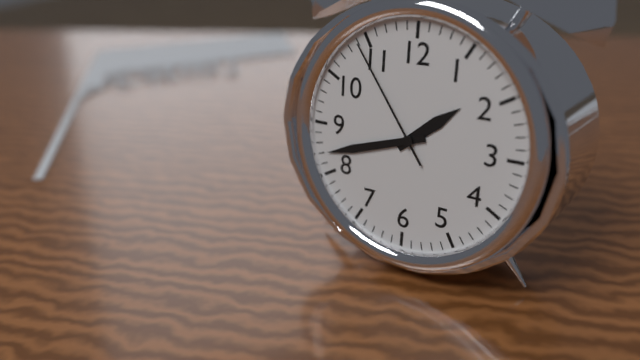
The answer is 1h42m54s
